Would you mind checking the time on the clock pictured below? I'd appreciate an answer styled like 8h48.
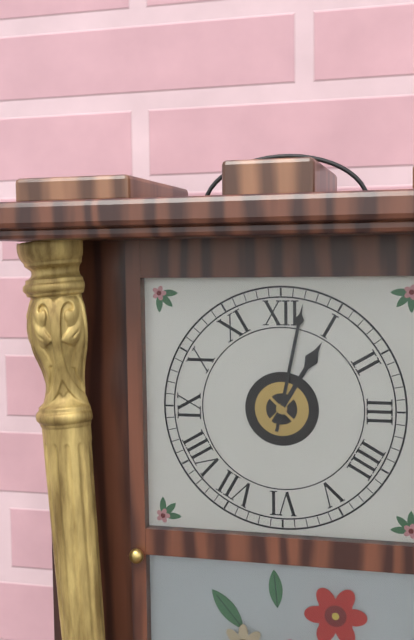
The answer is 1h02
